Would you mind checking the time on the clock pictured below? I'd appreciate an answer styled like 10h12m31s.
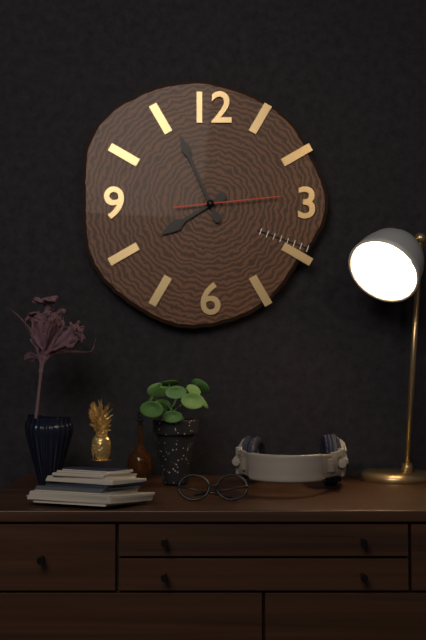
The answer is 7h56m14s
